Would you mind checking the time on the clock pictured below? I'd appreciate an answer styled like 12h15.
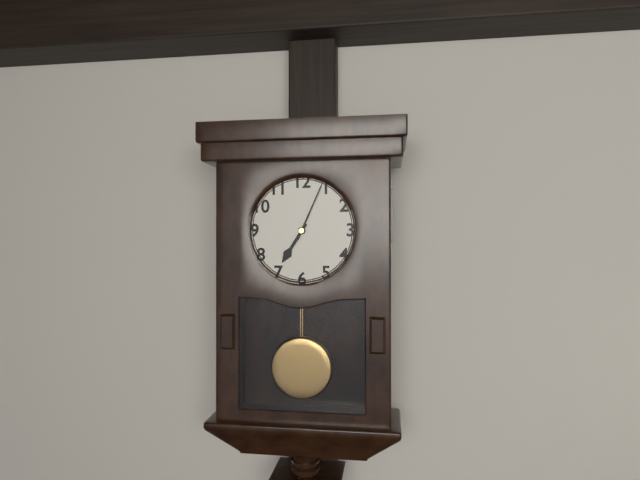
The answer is 7h04
